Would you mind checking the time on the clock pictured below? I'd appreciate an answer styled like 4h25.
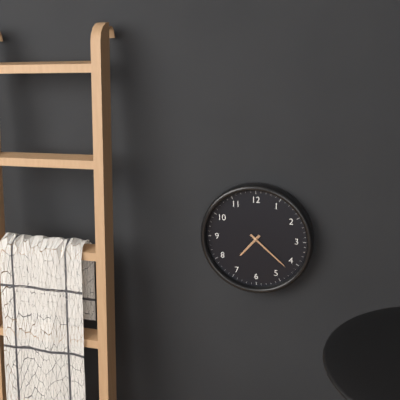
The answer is 7h22
